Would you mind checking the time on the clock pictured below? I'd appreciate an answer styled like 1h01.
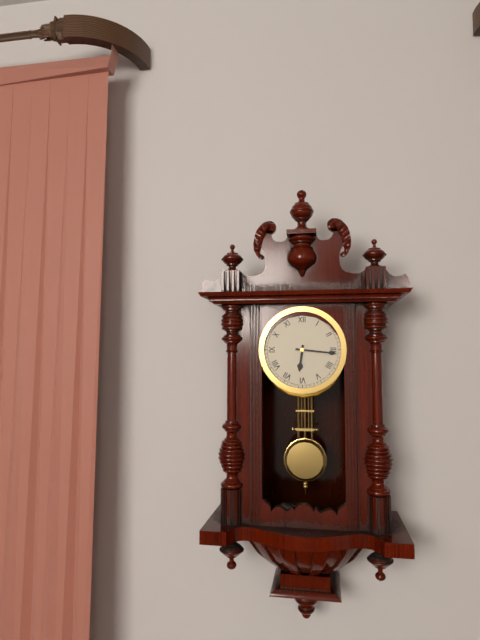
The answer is 6h16
